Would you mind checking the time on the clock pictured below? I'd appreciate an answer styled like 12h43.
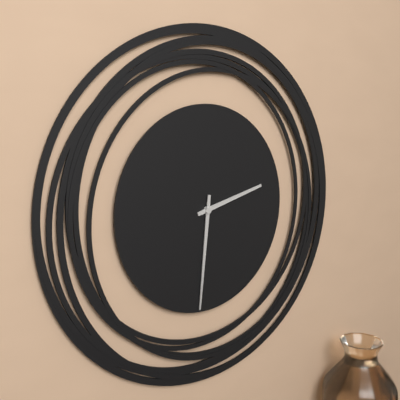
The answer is 2h31
